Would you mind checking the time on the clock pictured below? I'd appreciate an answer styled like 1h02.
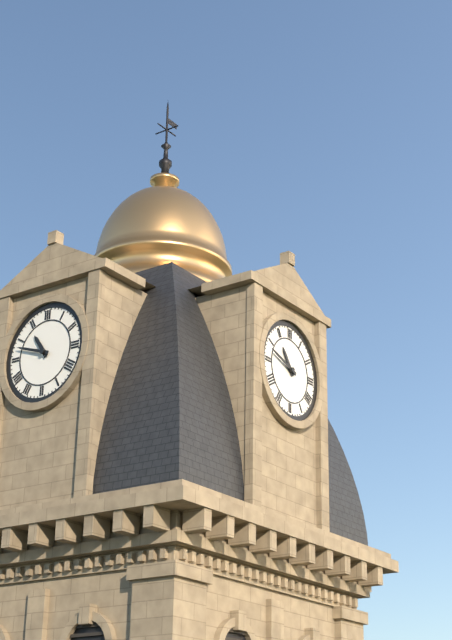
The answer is 10h48
